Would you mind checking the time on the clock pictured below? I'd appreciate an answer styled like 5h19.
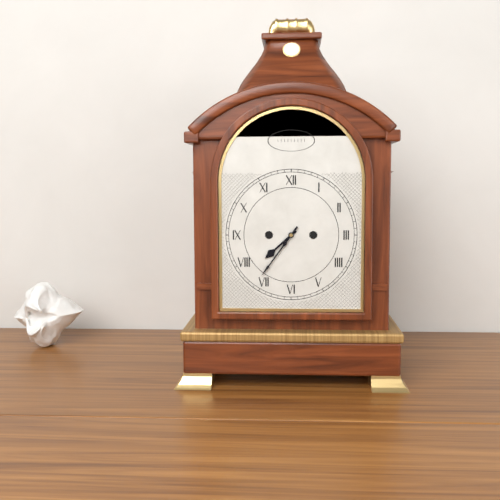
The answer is 7h36
